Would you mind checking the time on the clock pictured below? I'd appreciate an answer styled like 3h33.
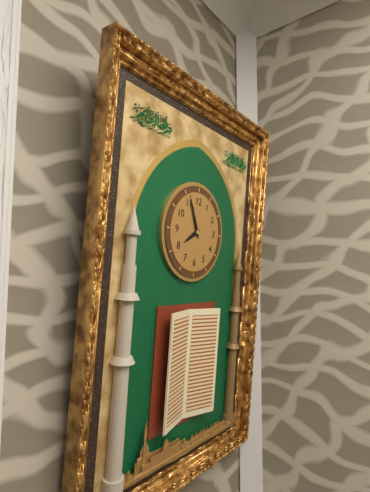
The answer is 7h56
